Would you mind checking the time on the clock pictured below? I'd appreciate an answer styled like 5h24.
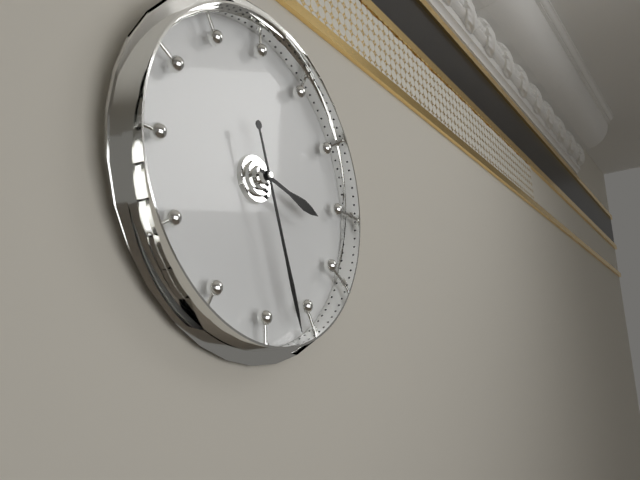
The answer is 3h27
